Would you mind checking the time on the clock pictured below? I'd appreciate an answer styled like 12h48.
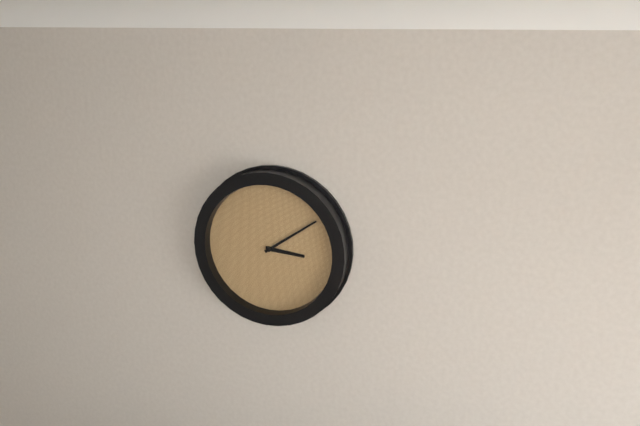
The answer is 3h09
